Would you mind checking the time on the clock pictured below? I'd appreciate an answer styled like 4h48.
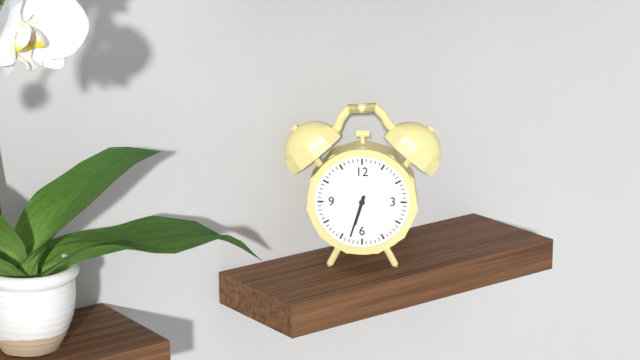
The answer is 6h33
